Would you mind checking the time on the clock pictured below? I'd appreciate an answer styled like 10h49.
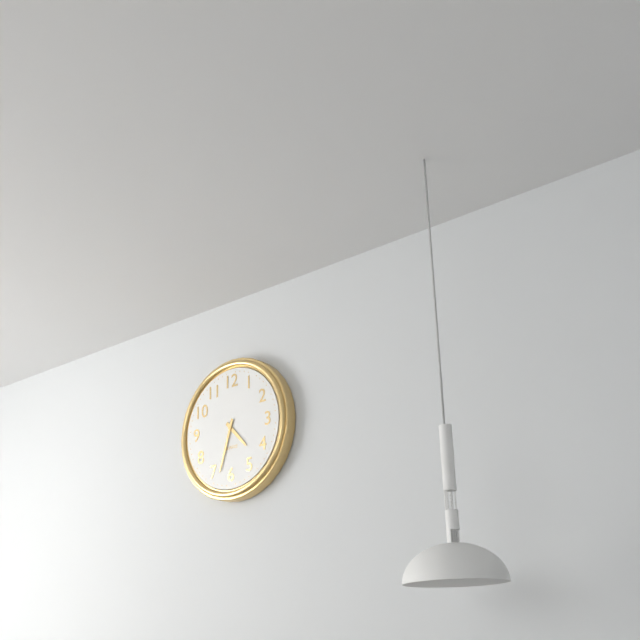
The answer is 4h33
